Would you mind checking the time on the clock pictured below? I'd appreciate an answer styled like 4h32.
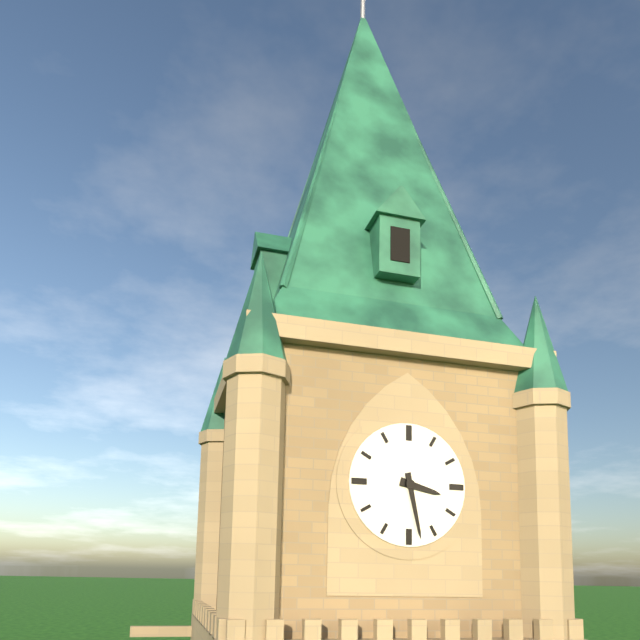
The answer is 3h28
